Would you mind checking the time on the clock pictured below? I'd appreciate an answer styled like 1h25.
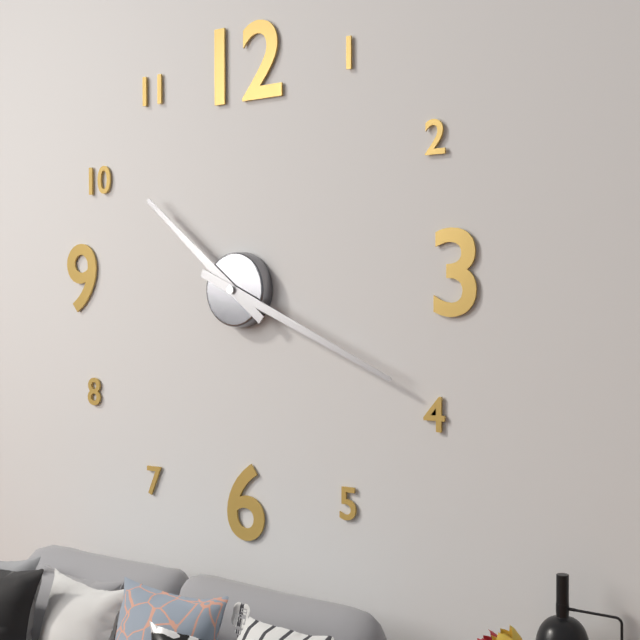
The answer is 10h19
